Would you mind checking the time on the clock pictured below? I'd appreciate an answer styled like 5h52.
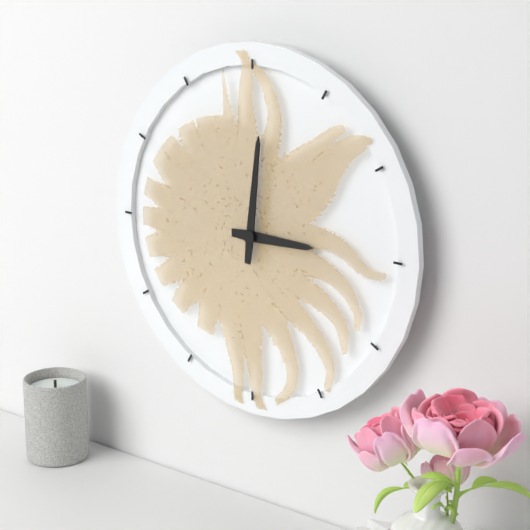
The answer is 3h01
